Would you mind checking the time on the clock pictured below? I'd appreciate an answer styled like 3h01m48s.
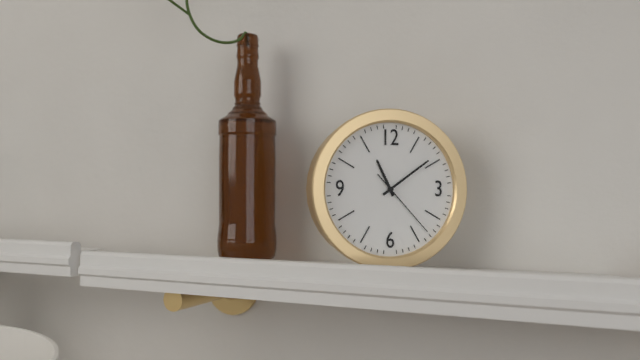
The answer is 11h09m23s
